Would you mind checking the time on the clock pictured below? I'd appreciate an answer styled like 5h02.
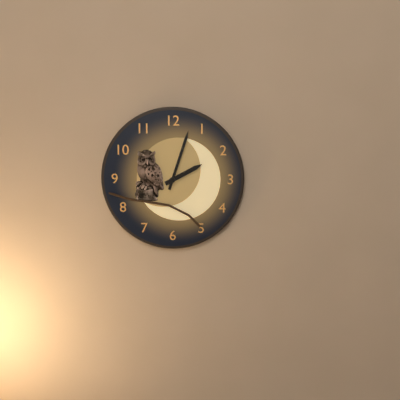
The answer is 2h03
